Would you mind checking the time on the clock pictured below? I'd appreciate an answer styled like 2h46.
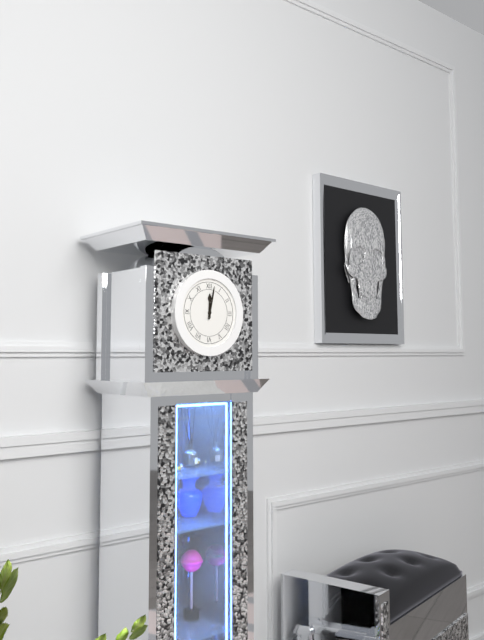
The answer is 12h02
